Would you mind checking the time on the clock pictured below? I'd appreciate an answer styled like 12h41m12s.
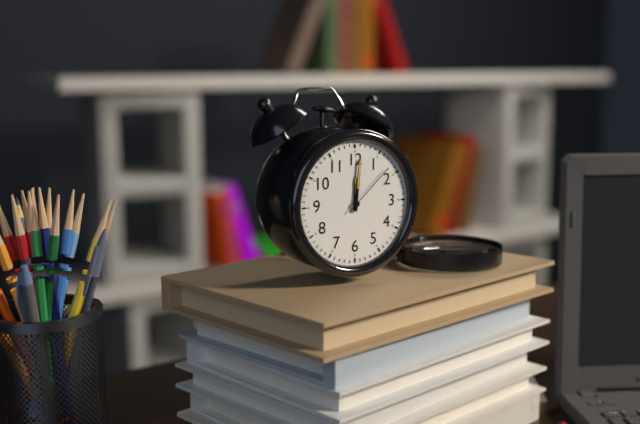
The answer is 12h01m08s
